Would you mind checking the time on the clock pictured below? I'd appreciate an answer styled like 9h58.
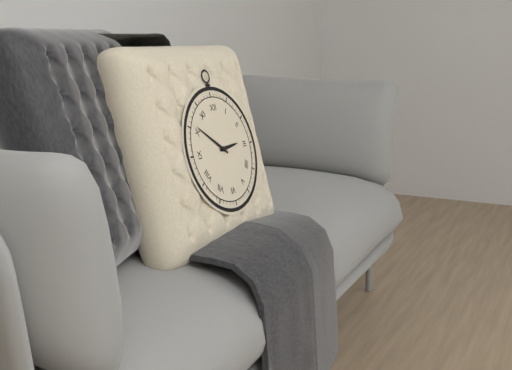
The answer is 2h51
